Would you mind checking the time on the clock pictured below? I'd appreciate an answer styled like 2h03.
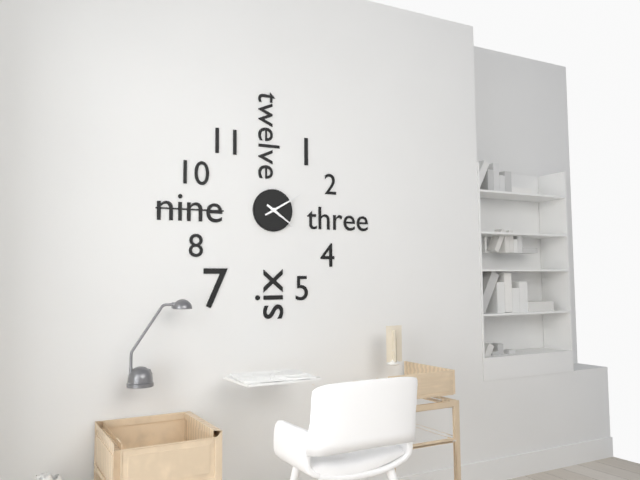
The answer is 4h10
